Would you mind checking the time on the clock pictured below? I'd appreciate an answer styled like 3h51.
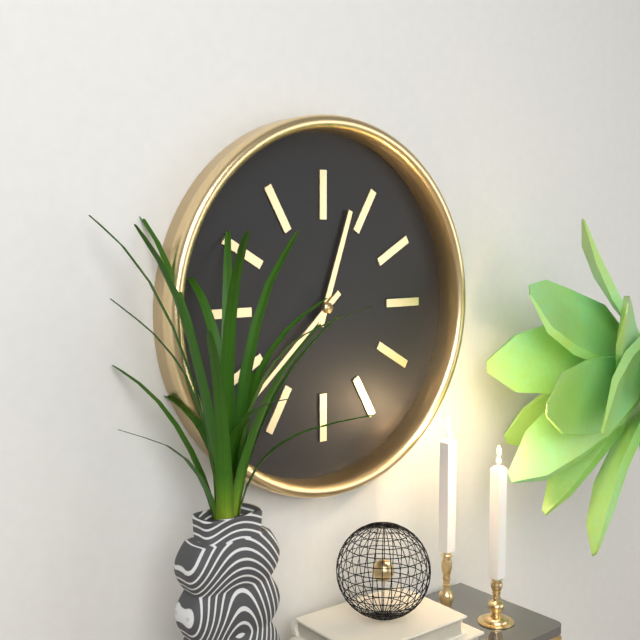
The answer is 12h38
